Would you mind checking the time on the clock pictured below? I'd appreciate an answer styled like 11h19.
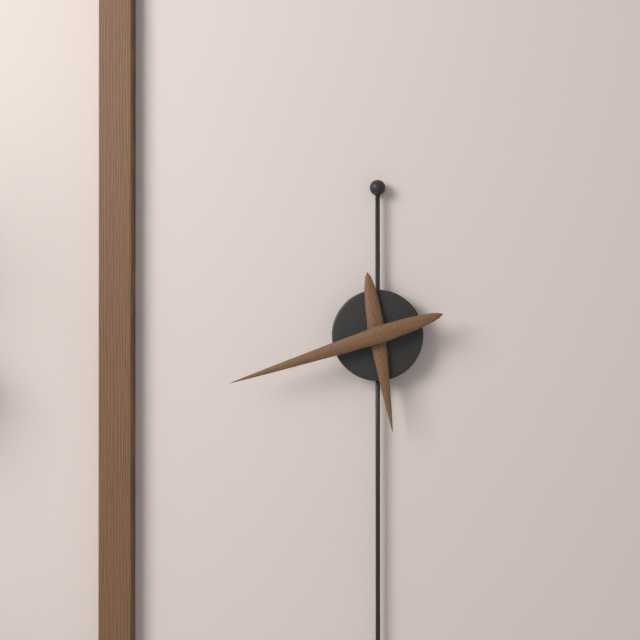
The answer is 5h42
